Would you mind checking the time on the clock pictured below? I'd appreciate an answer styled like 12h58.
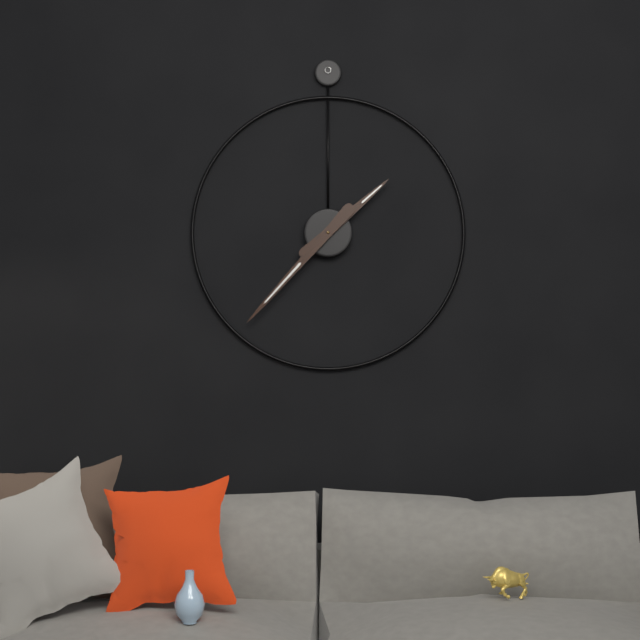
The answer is 1h37
